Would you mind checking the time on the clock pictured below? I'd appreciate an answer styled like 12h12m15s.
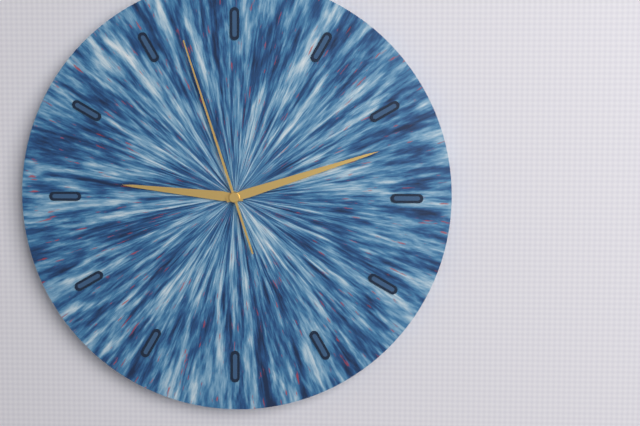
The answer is 9h12m57s
